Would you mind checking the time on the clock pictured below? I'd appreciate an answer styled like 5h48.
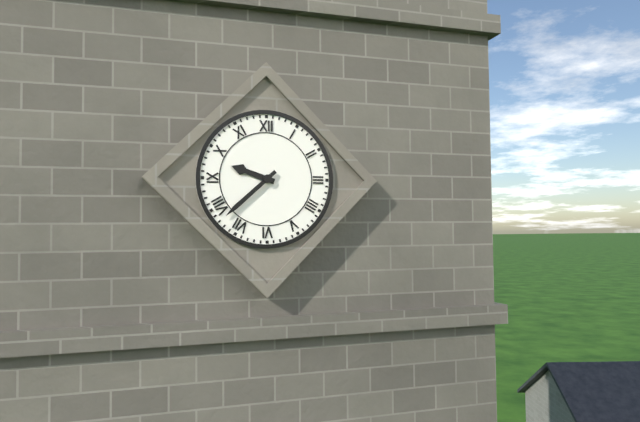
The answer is 9h38
